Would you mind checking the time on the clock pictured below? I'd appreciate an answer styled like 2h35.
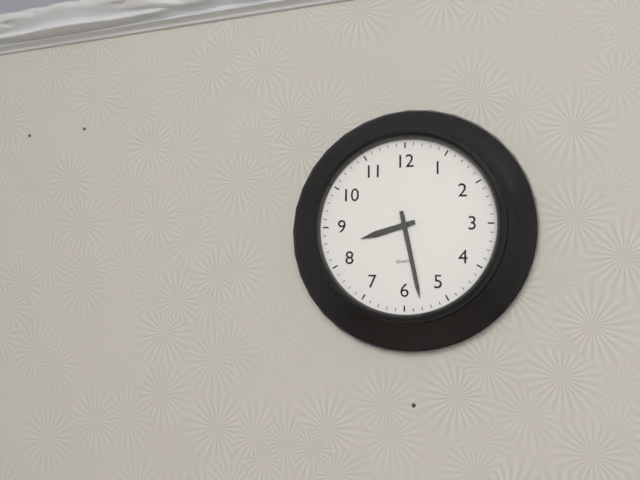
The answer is 8h28
